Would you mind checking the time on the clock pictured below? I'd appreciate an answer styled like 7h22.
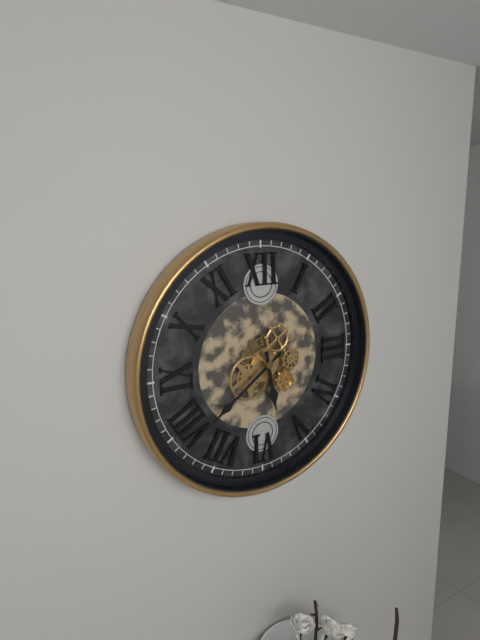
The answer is 5h39
